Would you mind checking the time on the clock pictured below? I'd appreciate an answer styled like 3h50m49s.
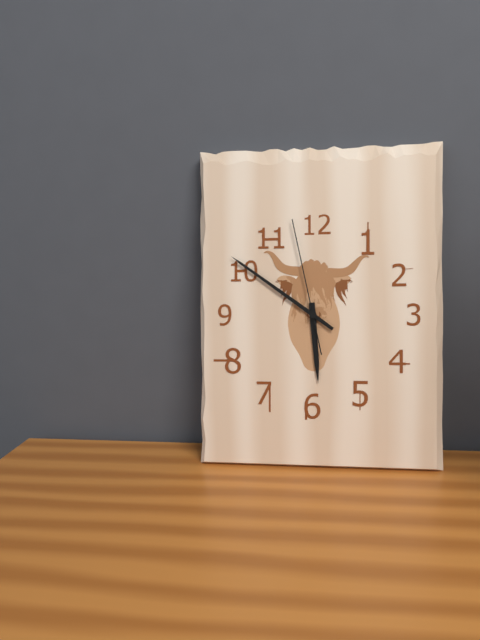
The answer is 5h51m58s
